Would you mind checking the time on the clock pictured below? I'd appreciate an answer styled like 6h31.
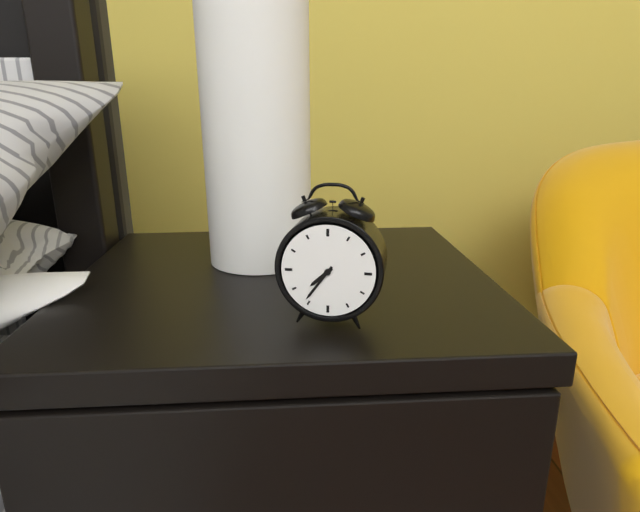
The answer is 7h36
